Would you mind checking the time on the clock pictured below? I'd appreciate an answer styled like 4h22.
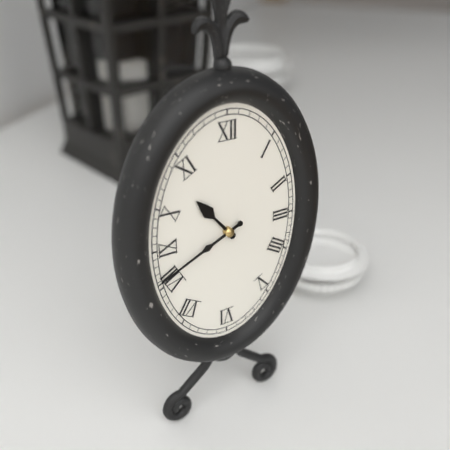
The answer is 10h41
